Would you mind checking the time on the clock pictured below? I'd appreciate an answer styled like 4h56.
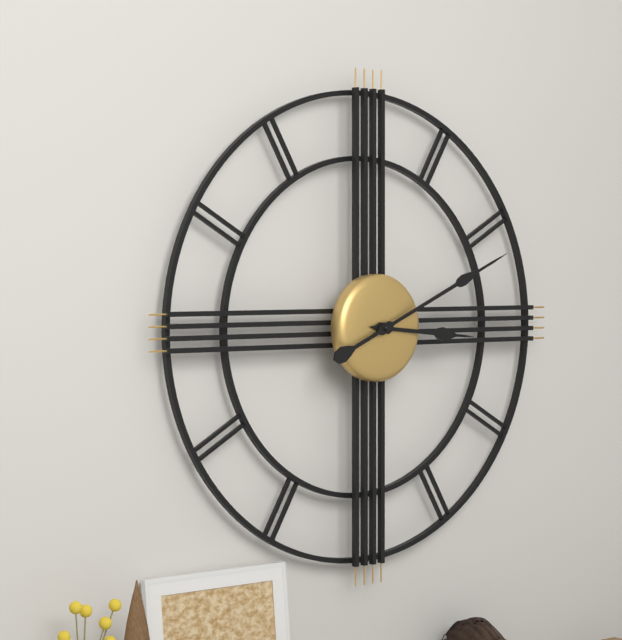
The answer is 3h11
